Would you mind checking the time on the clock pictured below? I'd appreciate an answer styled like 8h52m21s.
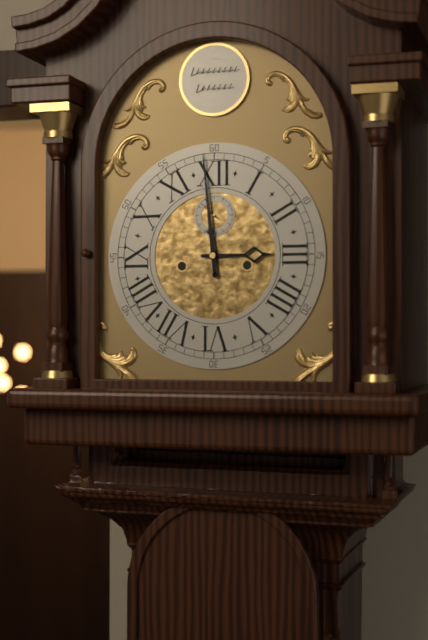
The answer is 2h59m52s
